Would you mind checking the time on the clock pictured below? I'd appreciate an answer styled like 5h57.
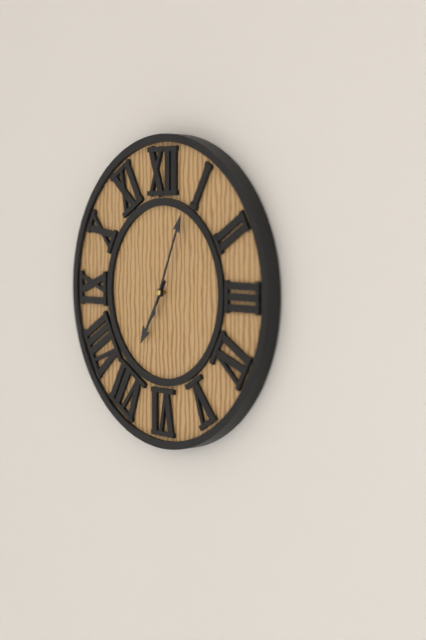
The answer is 7h04
